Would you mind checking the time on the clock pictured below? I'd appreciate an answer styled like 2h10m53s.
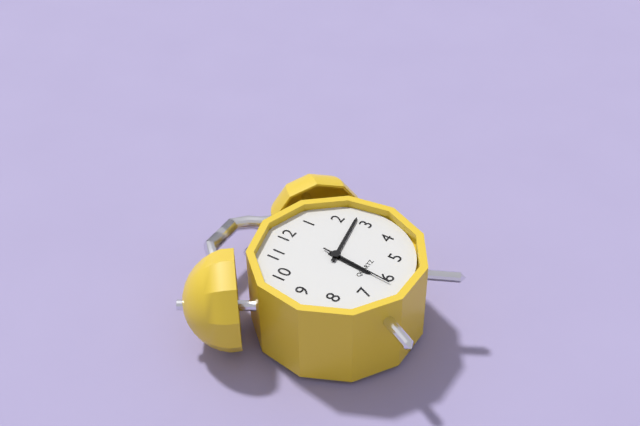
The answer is 6h13m31s
